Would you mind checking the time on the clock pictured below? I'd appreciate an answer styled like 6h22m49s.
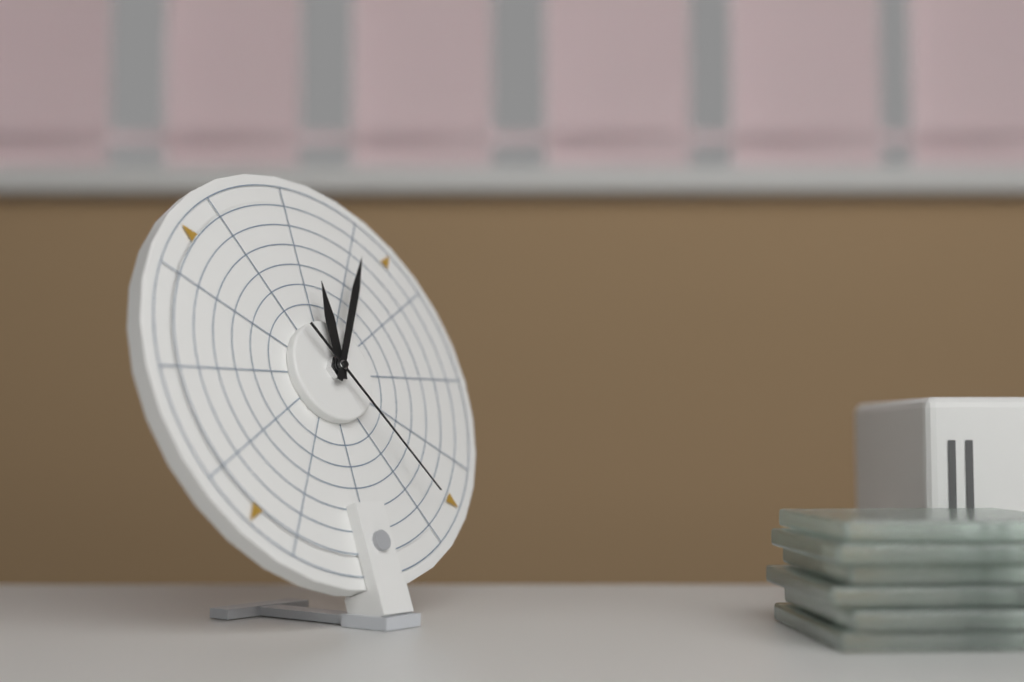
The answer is 12h05m24s
